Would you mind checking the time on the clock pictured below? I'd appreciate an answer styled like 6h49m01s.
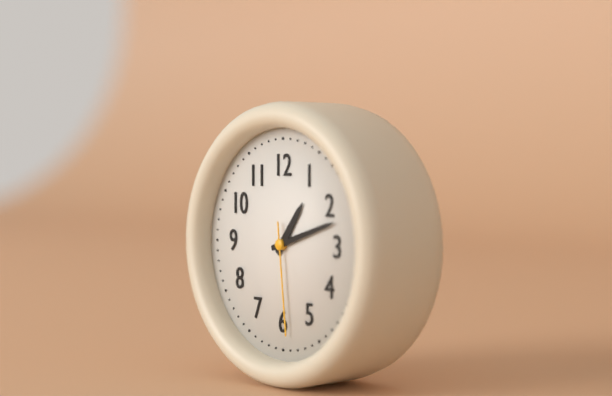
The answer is 1h12m29s
